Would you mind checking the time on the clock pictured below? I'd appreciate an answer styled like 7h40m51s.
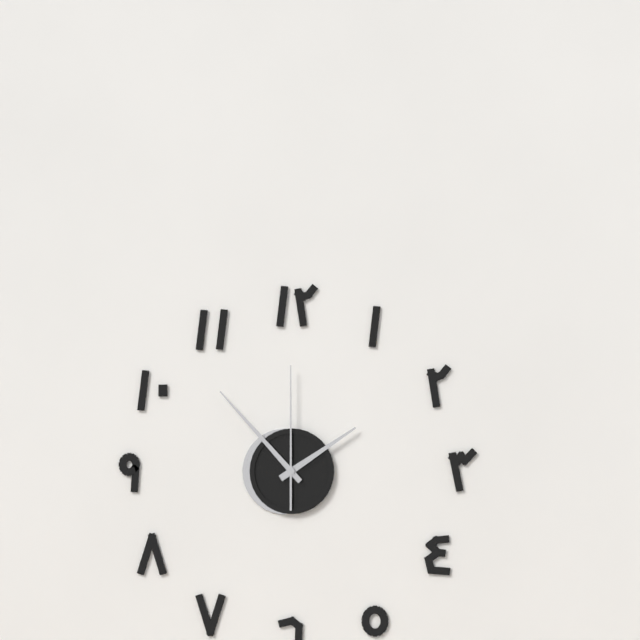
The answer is 1h53m00s
